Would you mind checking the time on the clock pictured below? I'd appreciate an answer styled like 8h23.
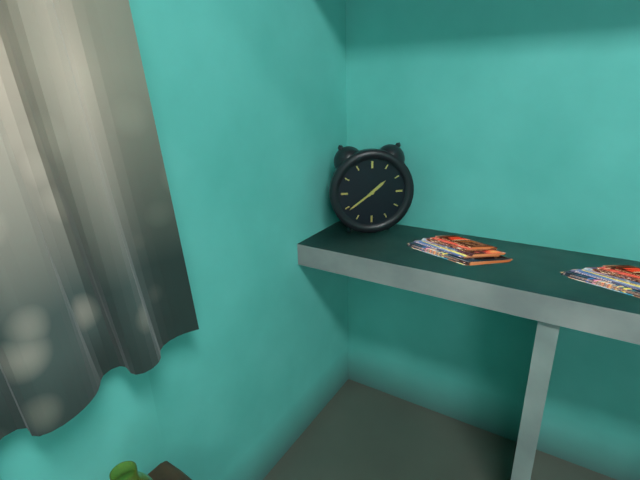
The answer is 1h39
